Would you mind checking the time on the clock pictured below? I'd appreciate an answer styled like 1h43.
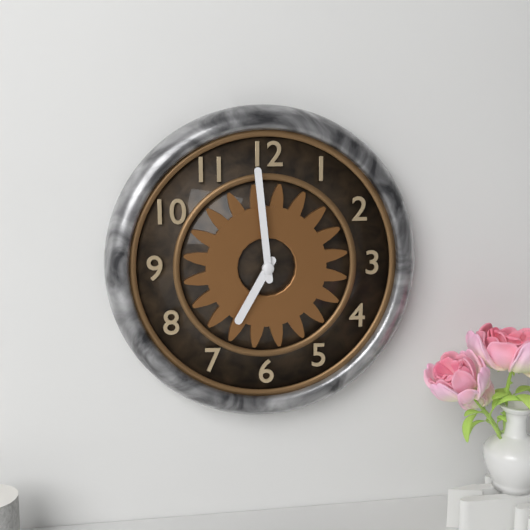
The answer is 6h59
